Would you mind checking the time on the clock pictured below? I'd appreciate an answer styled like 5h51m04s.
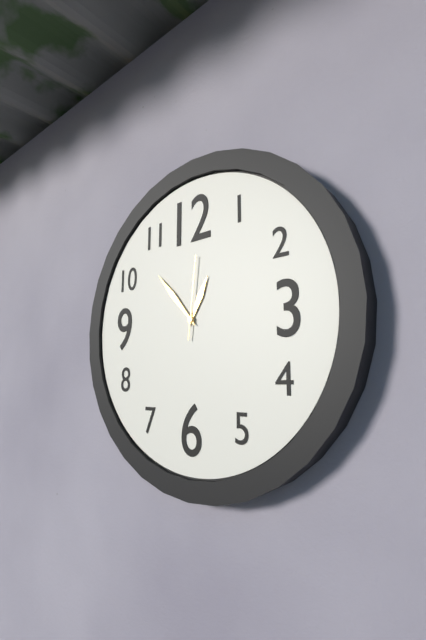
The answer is 12h53m01s
